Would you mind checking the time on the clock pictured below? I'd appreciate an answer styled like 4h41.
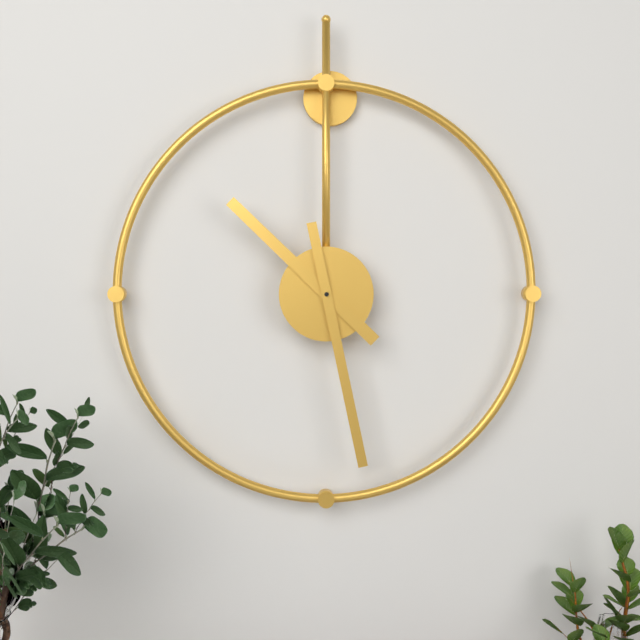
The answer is 10h28
